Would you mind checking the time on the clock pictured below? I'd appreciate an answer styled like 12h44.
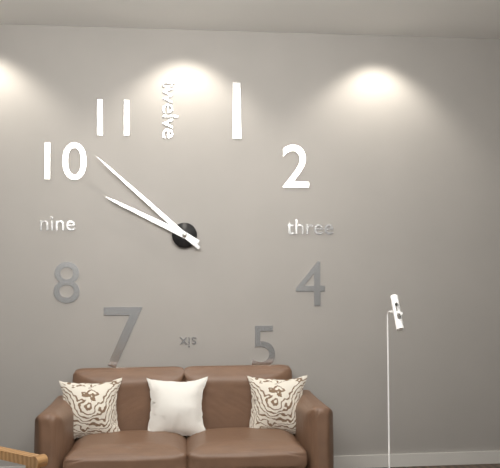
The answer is 9h52
